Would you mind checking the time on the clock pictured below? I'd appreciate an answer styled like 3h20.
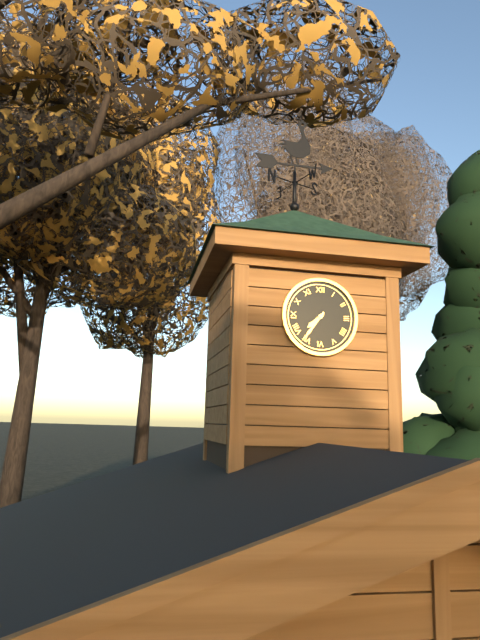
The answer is 7h36
